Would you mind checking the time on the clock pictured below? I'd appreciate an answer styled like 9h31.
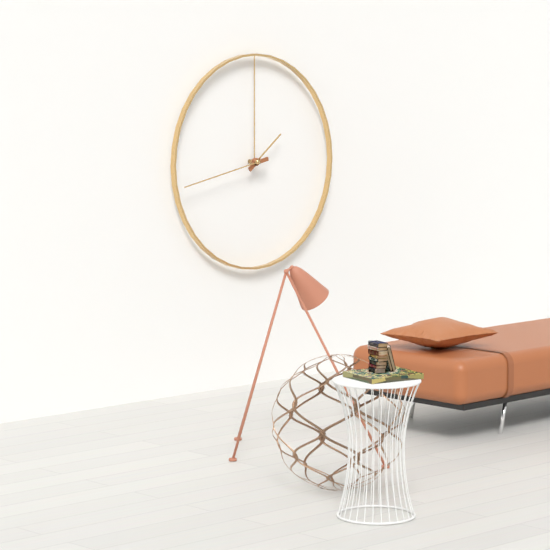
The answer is 1h43
